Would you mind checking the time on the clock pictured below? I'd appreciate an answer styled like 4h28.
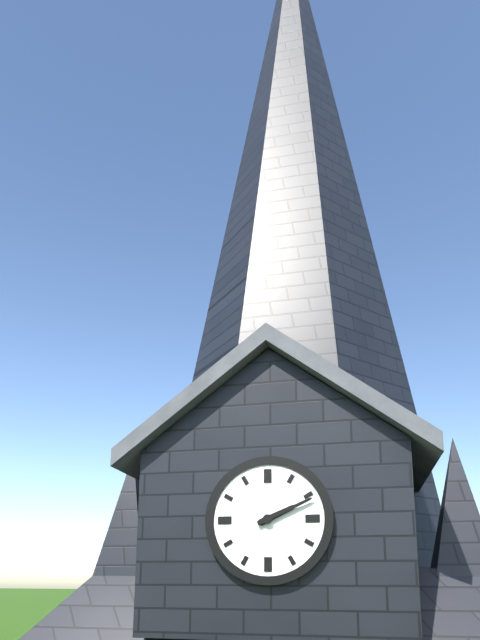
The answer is 2h11
